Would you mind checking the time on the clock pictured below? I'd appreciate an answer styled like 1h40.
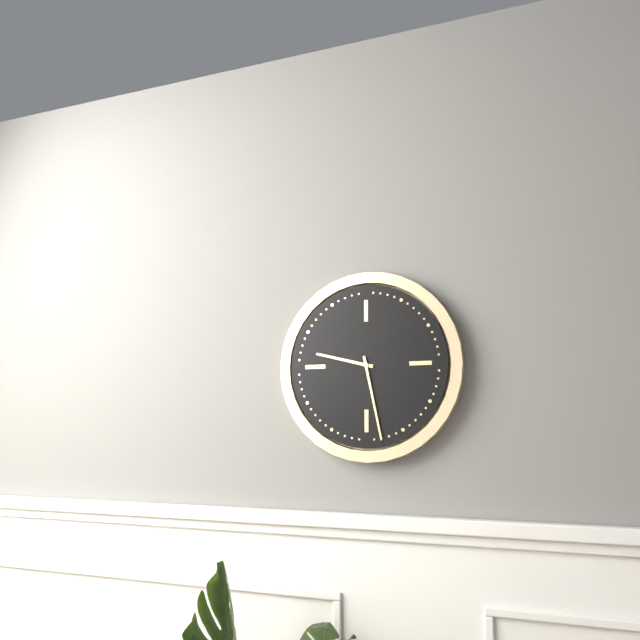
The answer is 9h28
